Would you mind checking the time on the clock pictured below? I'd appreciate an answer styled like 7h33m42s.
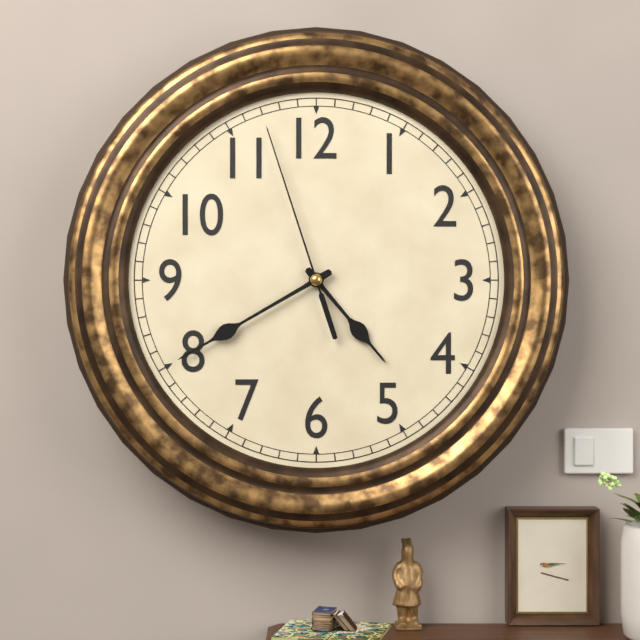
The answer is 4h40m57s
